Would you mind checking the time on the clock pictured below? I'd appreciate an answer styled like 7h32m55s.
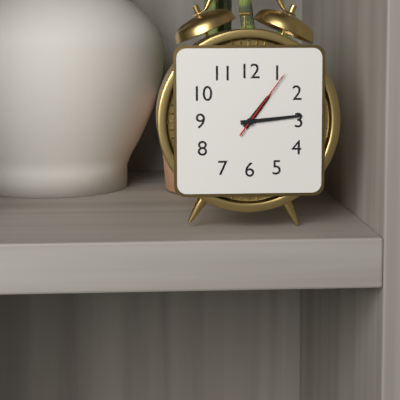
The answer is 1h14m06s
